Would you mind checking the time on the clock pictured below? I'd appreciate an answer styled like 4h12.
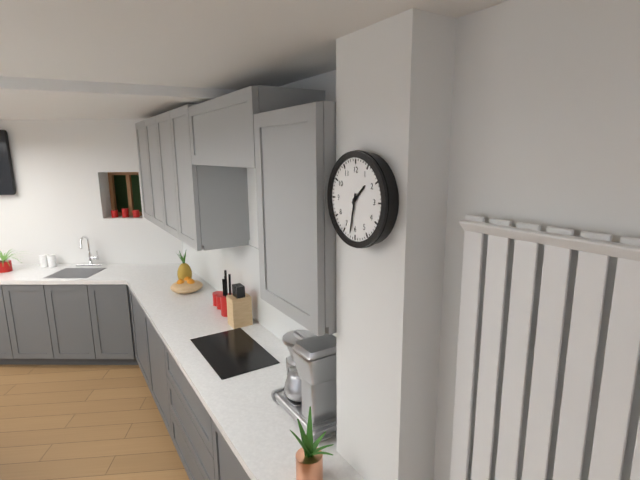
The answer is 1h32
